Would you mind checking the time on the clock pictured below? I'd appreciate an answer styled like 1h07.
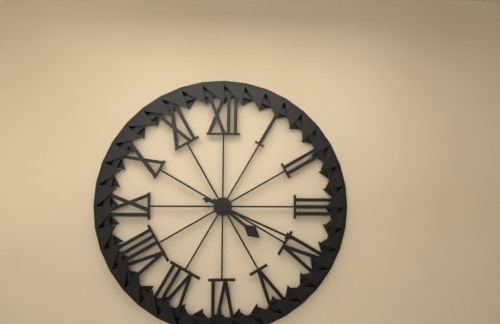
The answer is 4h19
